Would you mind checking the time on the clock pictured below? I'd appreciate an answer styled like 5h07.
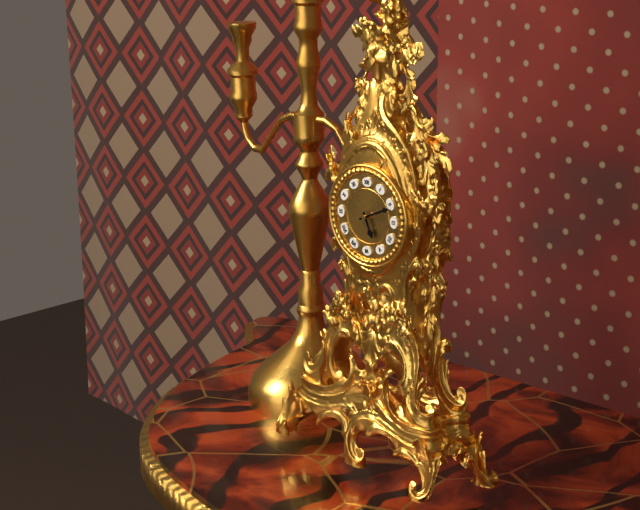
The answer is 5h11
